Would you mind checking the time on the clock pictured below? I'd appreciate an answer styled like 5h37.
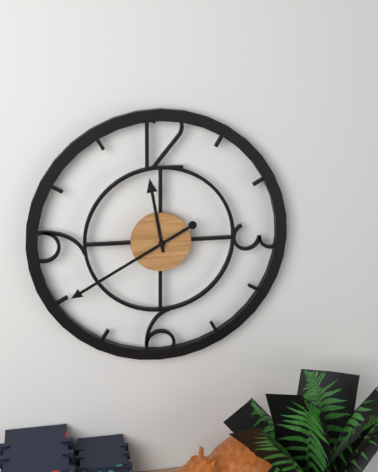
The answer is 11h40
